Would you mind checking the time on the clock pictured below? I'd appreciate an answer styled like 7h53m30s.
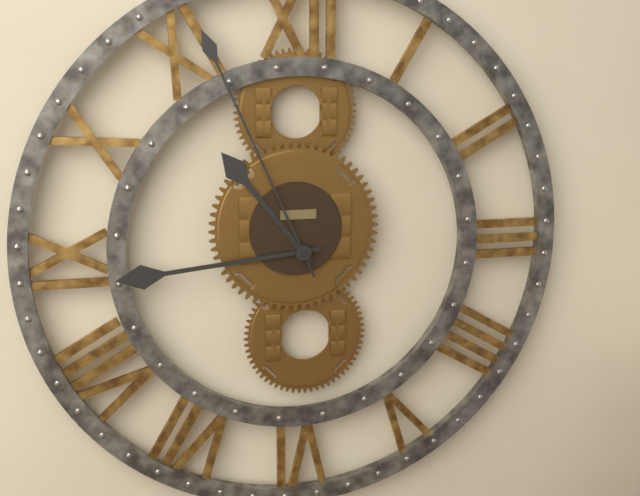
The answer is 10h44m56s
